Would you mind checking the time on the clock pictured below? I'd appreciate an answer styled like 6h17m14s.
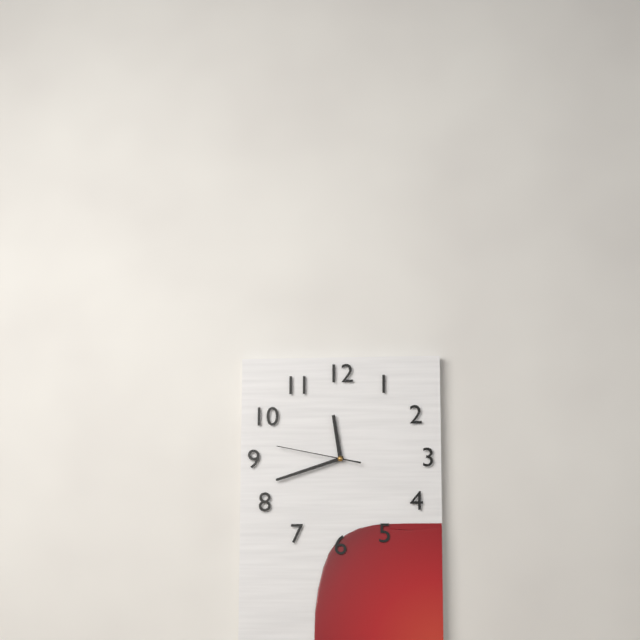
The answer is 11h42m47s
